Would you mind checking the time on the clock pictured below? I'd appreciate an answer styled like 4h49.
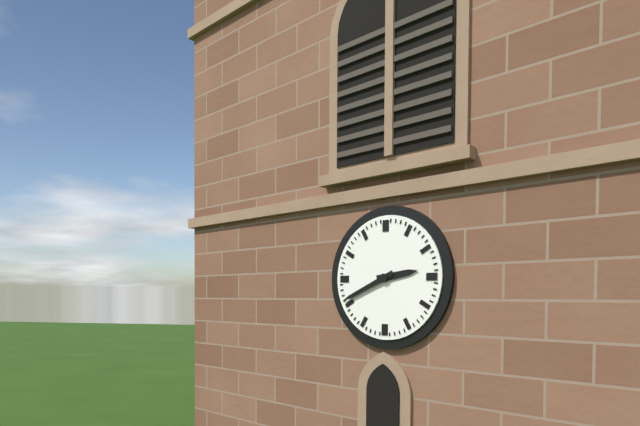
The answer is 2h41
